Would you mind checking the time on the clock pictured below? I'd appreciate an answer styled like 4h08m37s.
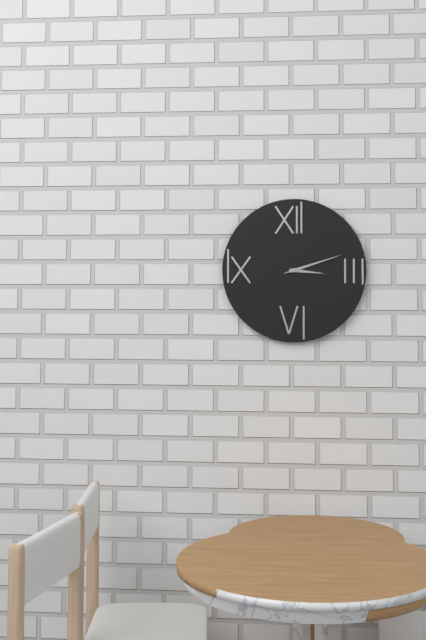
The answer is 3h12m12s
